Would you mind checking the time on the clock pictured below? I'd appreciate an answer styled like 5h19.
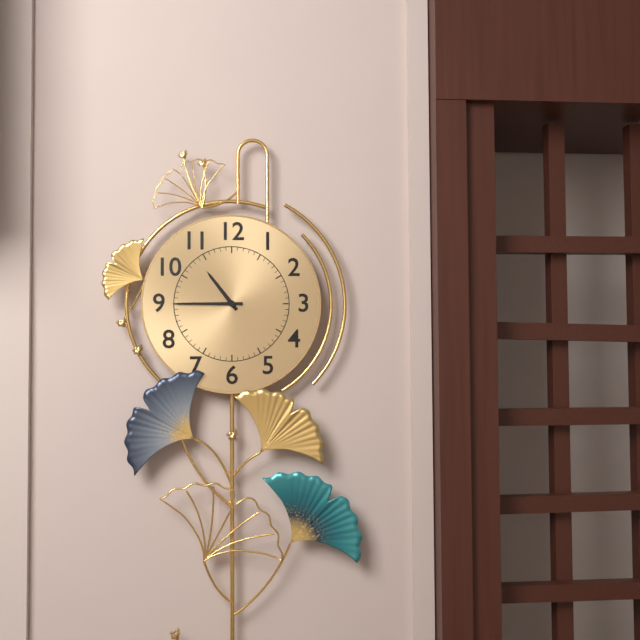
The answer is 10h45
